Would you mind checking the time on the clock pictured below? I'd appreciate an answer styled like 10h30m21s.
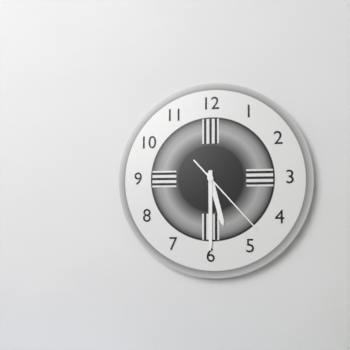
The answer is 5h30m23s
